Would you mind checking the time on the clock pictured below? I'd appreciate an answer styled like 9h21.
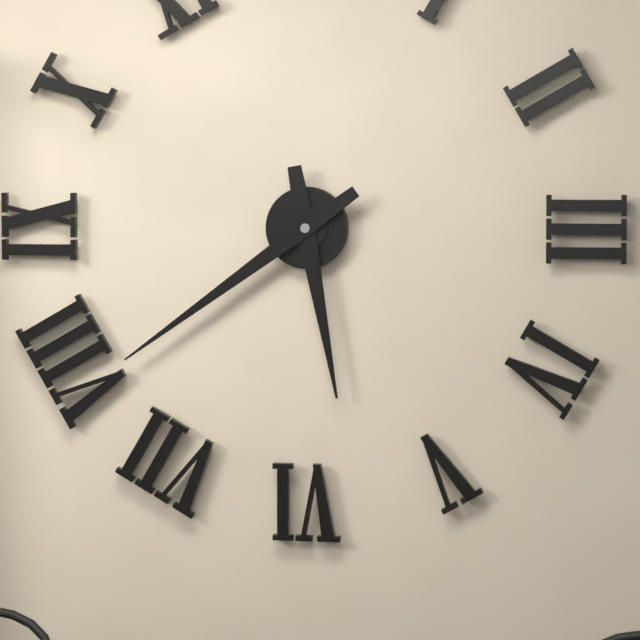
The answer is 5h39
